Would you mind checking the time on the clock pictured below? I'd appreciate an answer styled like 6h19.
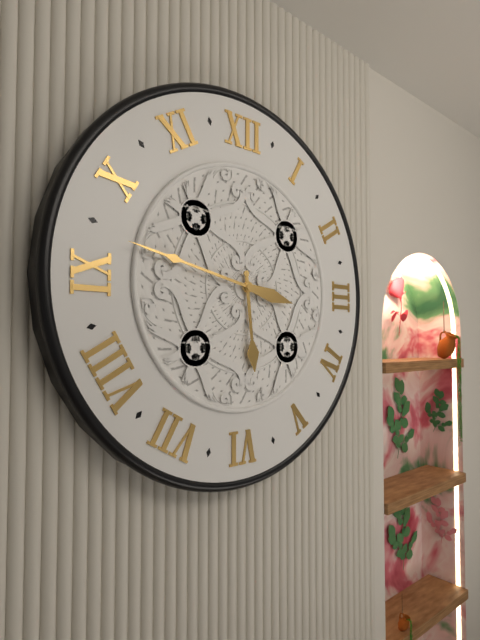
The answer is 5h47
